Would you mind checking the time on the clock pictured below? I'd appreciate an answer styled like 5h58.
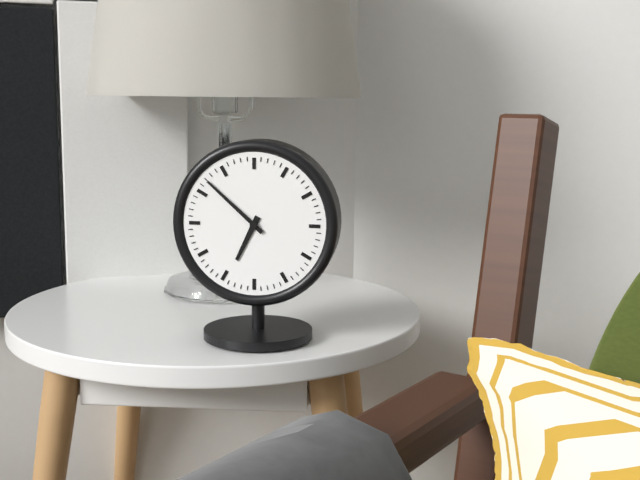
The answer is 6h52
